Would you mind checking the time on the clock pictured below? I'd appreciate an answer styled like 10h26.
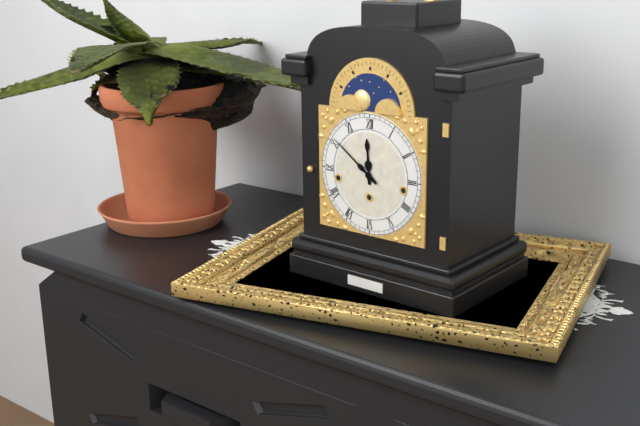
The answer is 11h51
